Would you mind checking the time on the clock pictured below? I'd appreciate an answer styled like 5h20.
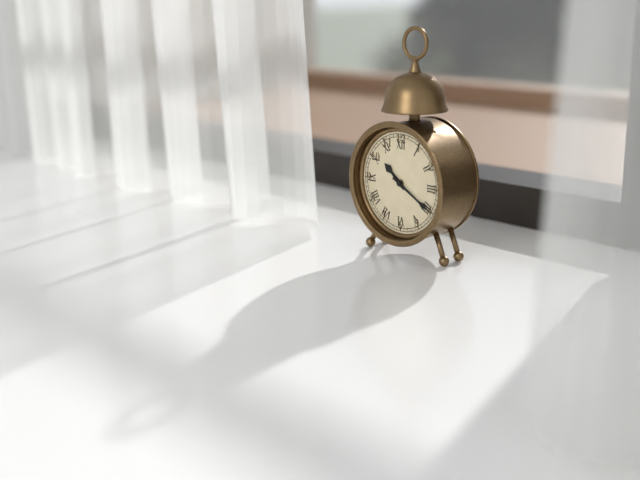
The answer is 10h20
